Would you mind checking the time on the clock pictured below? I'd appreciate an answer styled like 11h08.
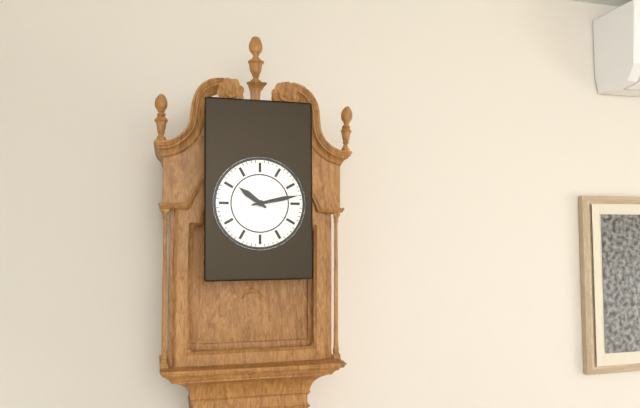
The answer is 10h13
